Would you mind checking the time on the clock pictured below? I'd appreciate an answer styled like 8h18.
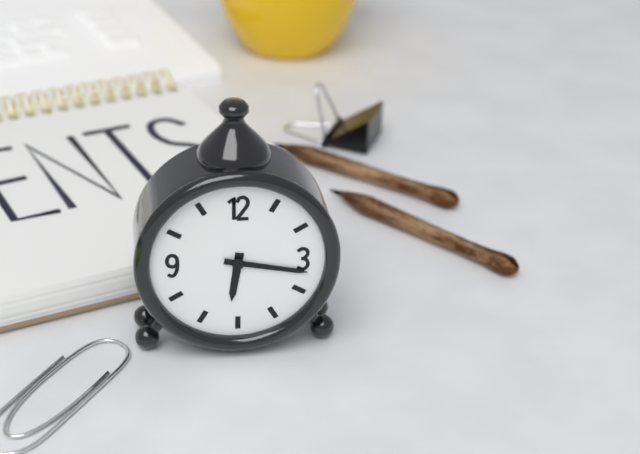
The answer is 6h17
